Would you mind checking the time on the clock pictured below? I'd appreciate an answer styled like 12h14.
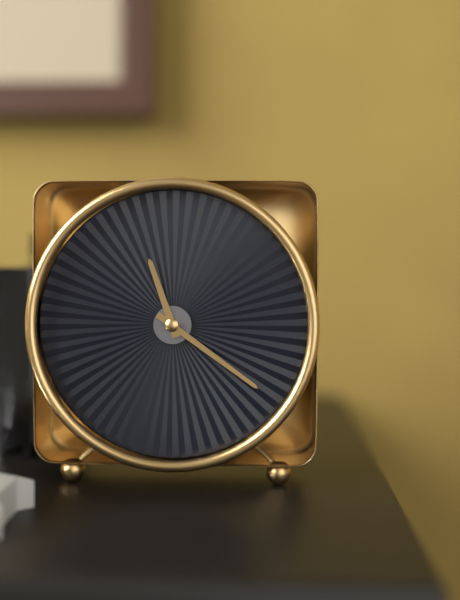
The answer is 11h21
